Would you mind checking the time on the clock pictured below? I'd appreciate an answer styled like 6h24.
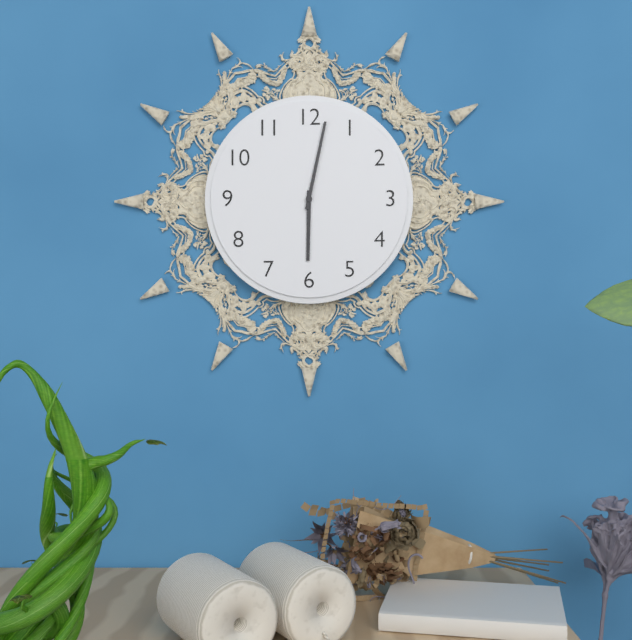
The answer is 6h02
